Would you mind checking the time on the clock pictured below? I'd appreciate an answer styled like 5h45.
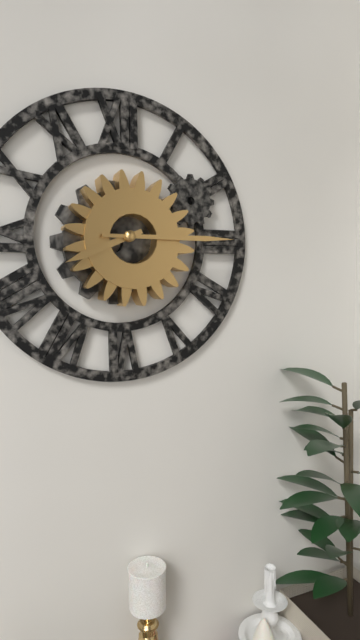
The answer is 8h15
